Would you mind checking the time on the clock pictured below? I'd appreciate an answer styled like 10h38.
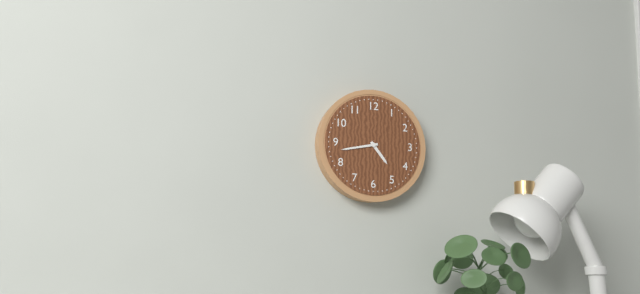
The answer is 4h43
